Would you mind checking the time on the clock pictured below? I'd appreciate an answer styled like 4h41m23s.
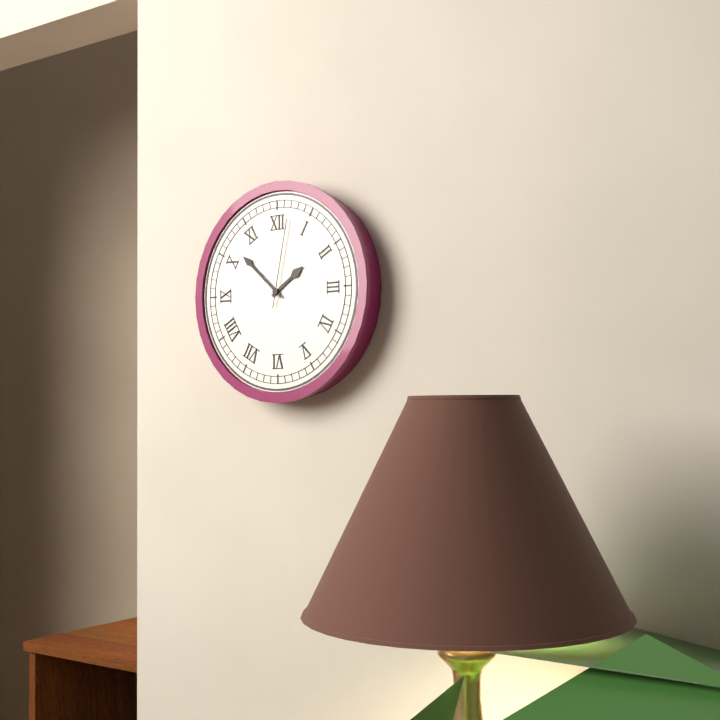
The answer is 1h52m02s
